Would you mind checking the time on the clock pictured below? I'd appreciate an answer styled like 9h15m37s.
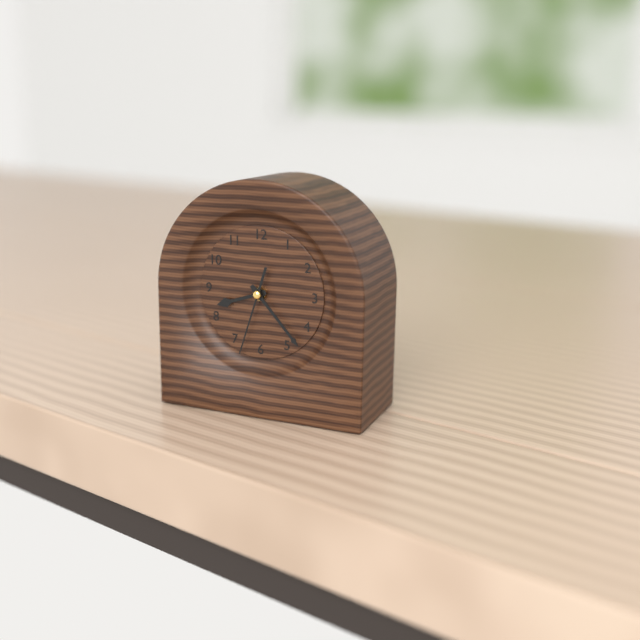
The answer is 8h23m33s
